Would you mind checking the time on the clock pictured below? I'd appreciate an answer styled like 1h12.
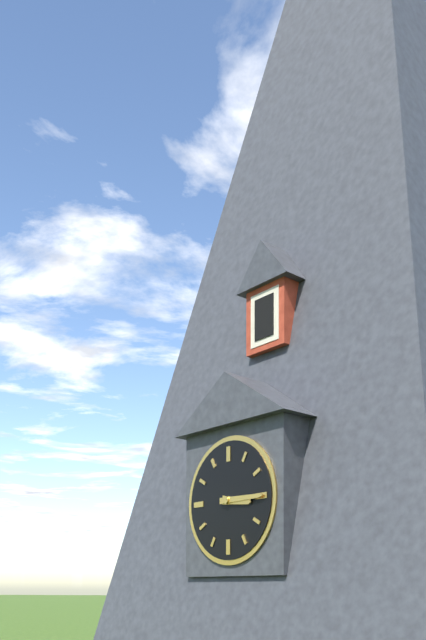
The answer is 3h15
